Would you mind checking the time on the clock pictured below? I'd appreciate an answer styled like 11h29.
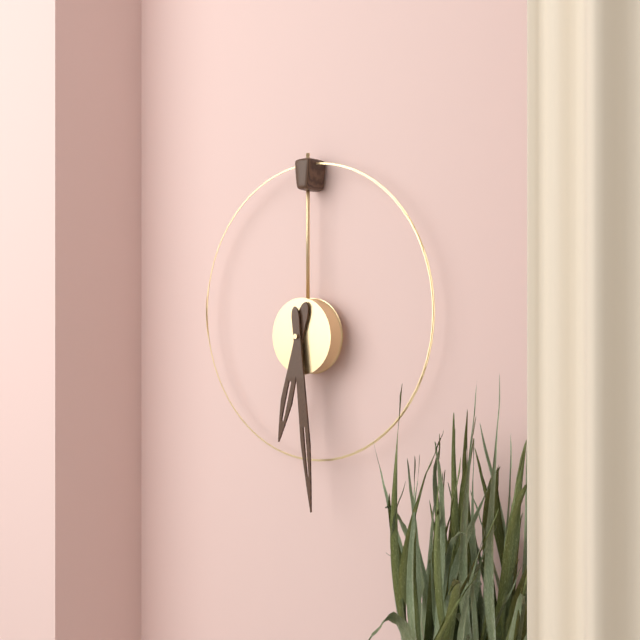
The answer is 6h29
